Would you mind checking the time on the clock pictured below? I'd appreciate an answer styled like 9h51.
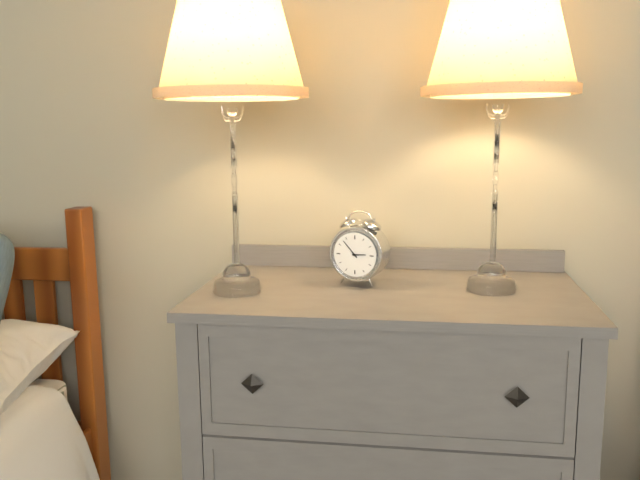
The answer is 2h53
